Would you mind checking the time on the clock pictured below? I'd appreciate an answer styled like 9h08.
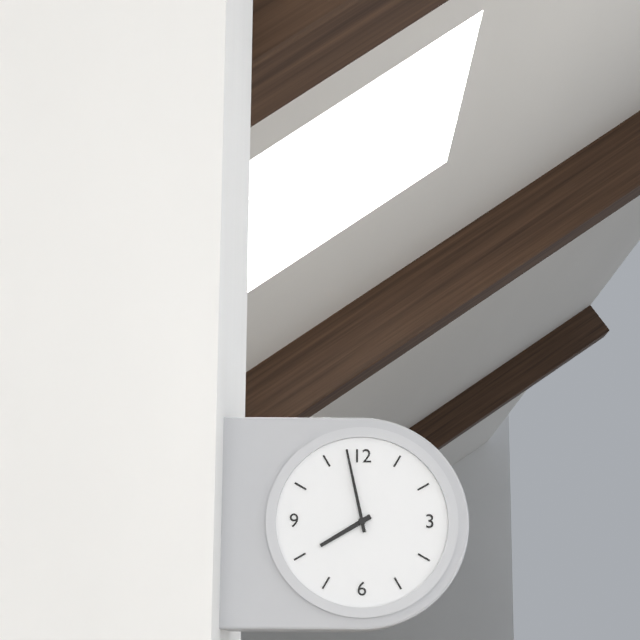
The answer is 7h58
